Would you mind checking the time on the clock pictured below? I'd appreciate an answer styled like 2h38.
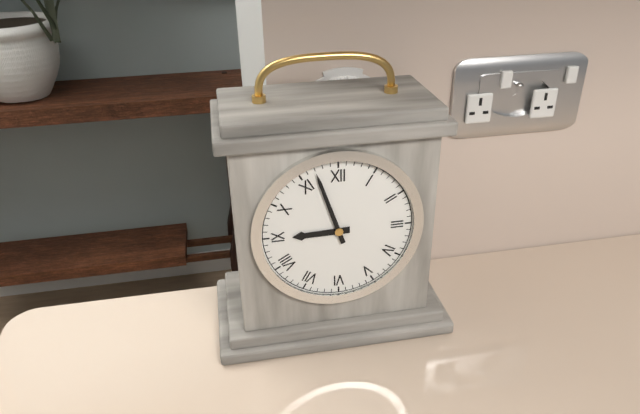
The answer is 8h57
